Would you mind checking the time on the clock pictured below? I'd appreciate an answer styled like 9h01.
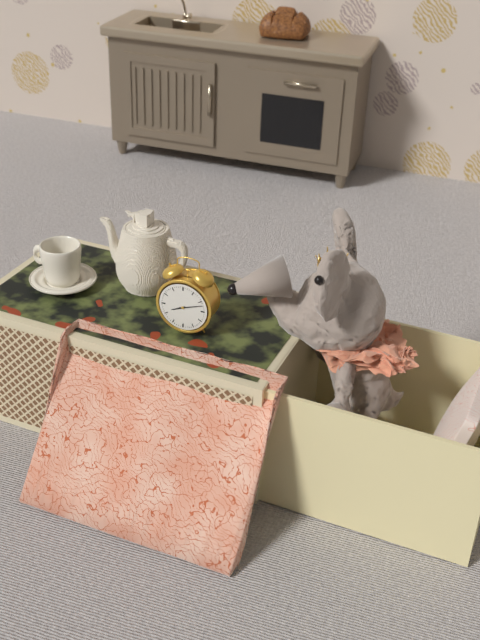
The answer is 8h12
